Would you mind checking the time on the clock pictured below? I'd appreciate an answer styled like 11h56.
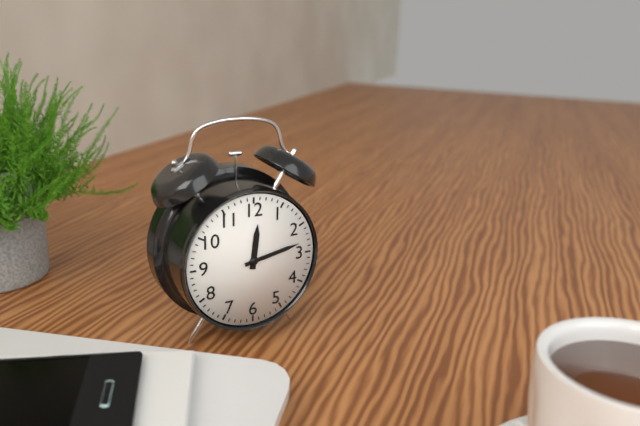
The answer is 12h13
